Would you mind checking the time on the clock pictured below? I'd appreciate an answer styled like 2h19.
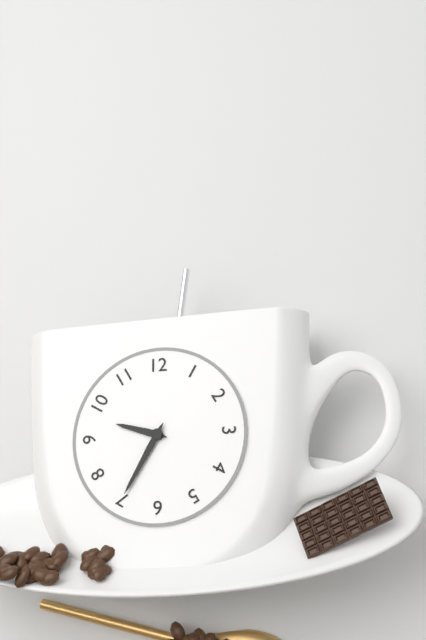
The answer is 9h35
